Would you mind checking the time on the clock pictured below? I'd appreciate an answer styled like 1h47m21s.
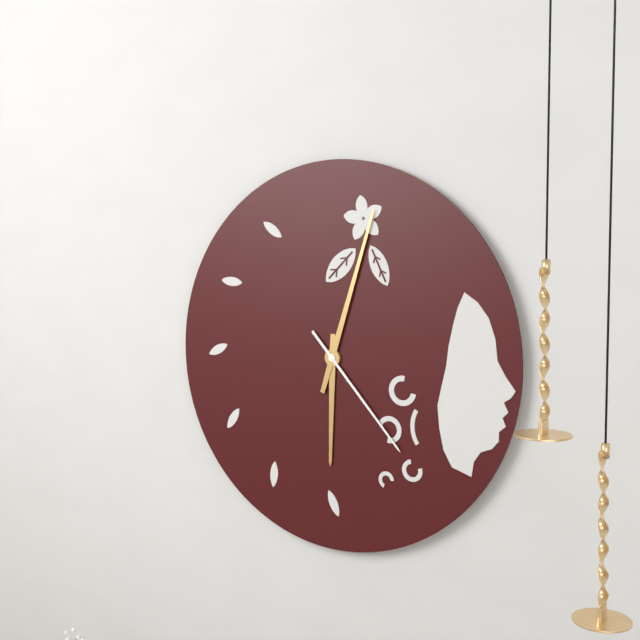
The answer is 6h03m23s
